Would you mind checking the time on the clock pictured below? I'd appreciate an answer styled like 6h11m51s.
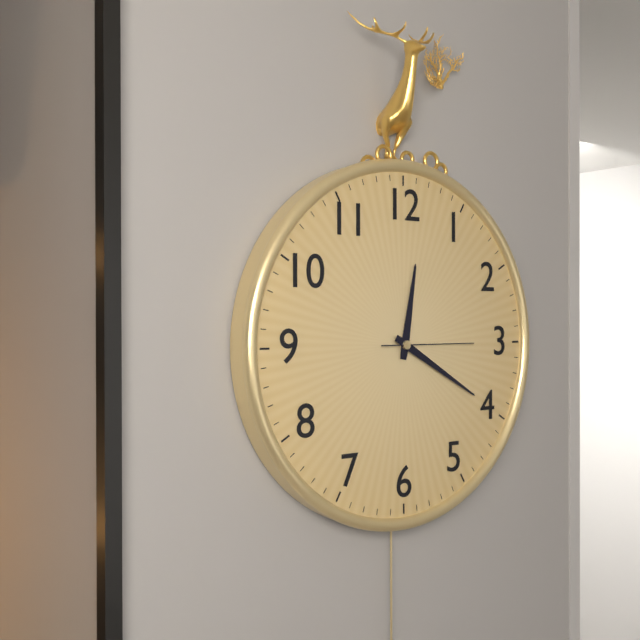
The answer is 12h20m15s
